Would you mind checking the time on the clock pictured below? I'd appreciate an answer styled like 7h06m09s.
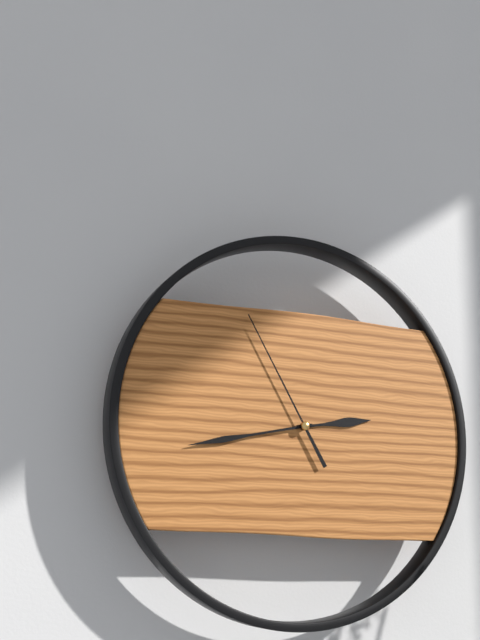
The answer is 2h43m55s
